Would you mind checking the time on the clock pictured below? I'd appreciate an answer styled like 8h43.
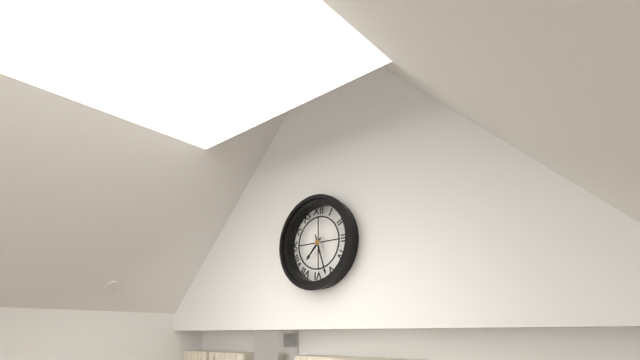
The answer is 7h27
